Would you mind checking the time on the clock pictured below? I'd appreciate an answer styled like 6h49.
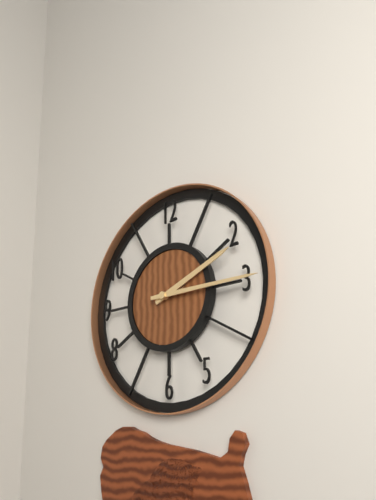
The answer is 2h15
